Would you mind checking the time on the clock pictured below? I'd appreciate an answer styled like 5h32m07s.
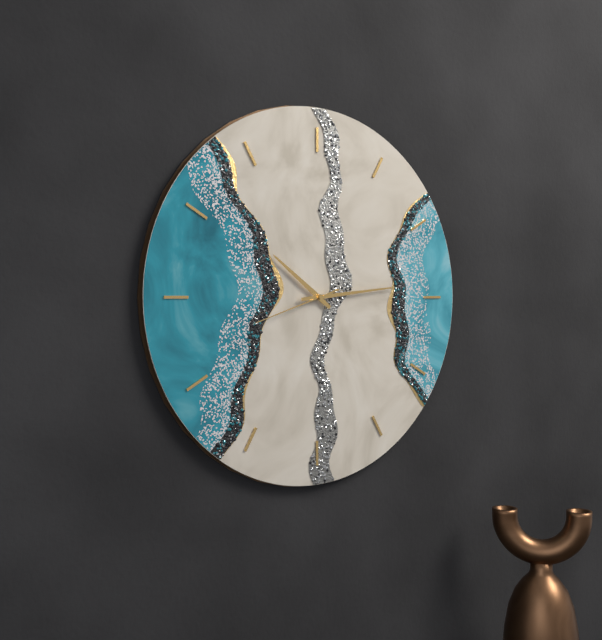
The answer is 10h14m42s
